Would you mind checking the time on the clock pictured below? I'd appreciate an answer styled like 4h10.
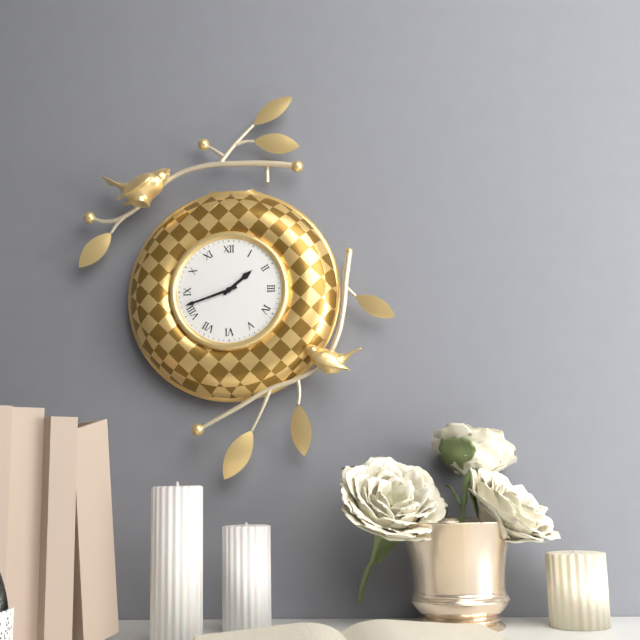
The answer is 1h42
